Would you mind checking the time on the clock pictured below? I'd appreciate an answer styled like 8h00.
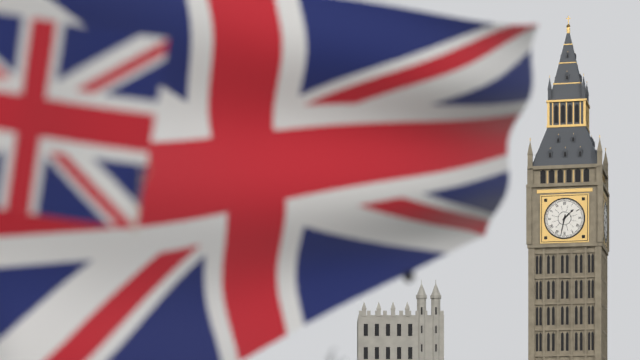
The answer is 1h32
